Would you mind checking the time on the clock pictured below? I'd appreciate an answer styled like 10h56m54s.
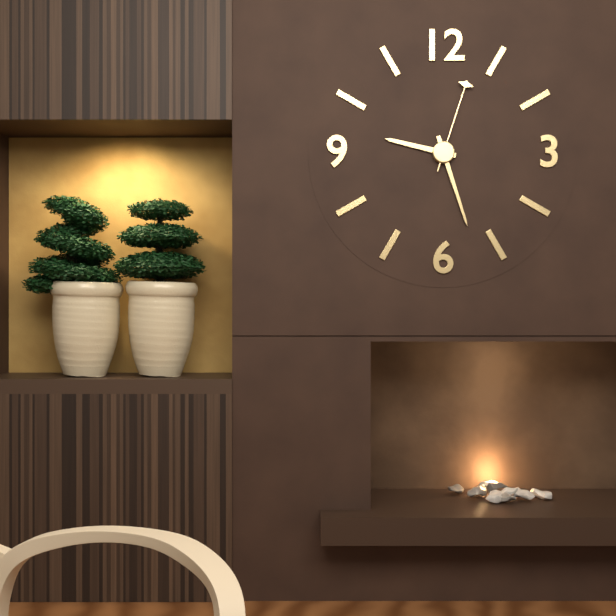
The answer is 9h27m03s
